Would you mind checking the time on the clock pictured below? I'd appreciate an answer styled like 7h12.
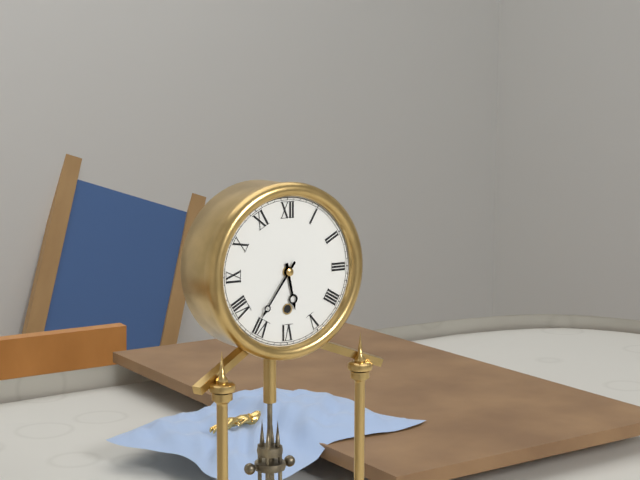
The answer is 5h36
